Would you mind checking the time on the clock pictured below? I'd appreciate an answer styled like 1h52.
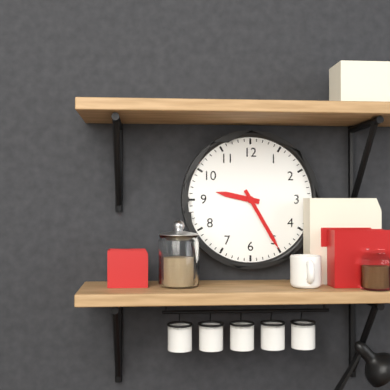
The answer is 9h25
